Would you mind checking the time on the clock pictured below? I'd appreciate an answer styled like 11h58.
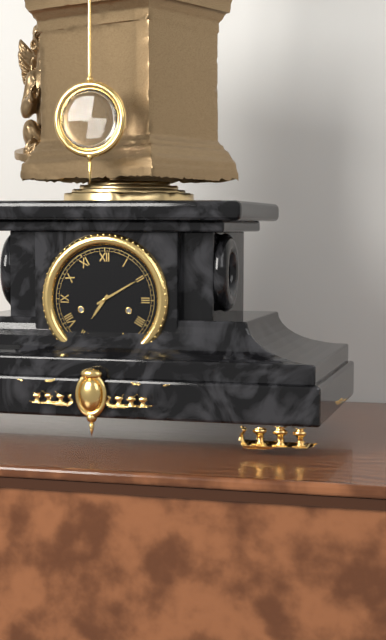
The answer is 7h10
